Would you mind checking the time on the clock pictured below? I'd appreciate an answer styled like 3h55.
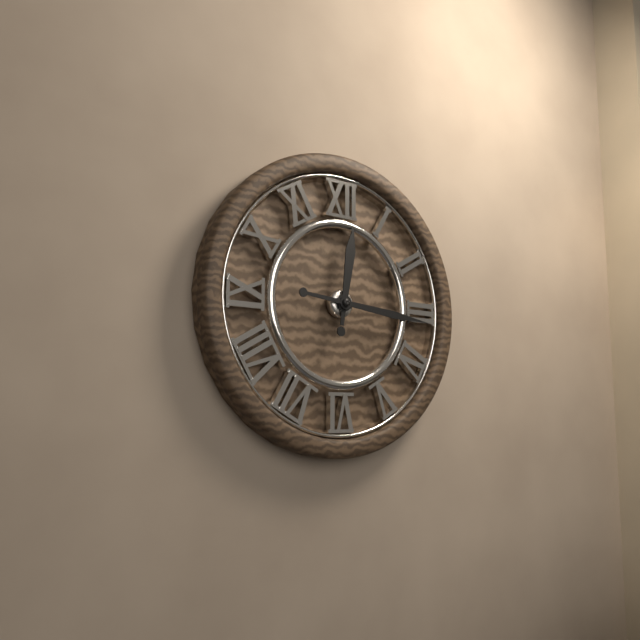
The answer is 12h16
